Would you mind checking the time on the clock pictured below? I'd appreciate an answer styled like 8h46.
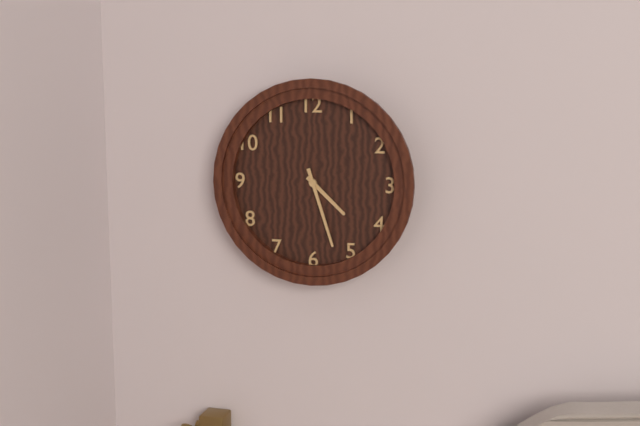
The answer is 4h27
